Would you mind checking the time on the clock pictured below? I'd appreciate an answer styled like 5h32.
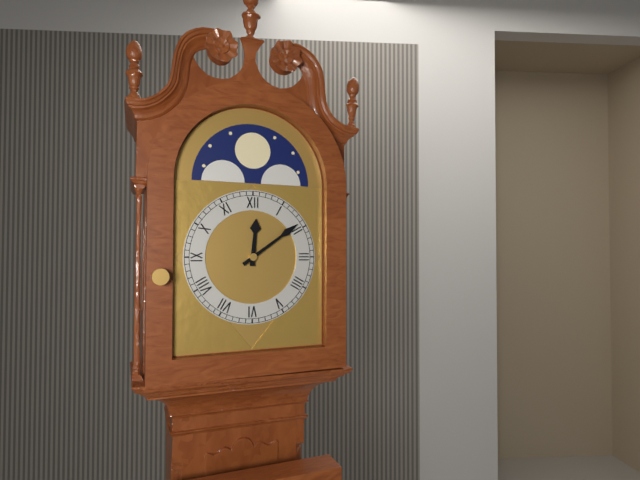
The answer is 12h09
